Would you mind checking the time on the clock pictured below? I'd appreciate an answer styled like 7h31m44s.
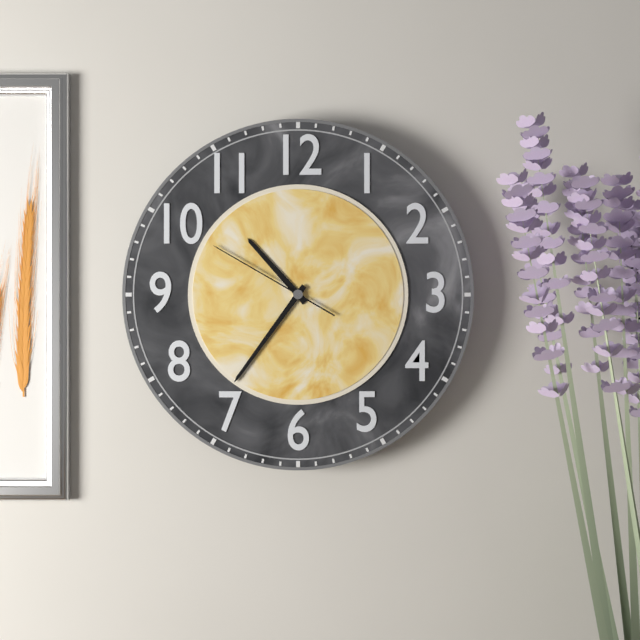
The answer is 10h36m50s
